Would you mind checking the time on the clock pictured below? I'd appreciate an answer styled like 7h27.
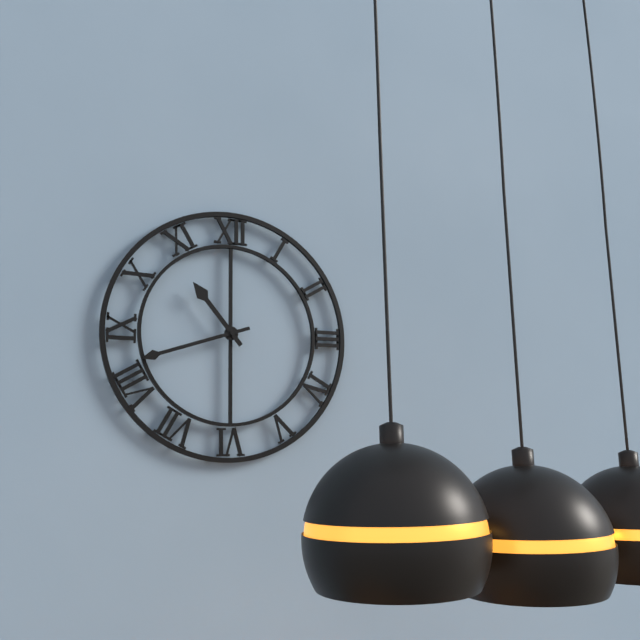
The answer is 10h42
